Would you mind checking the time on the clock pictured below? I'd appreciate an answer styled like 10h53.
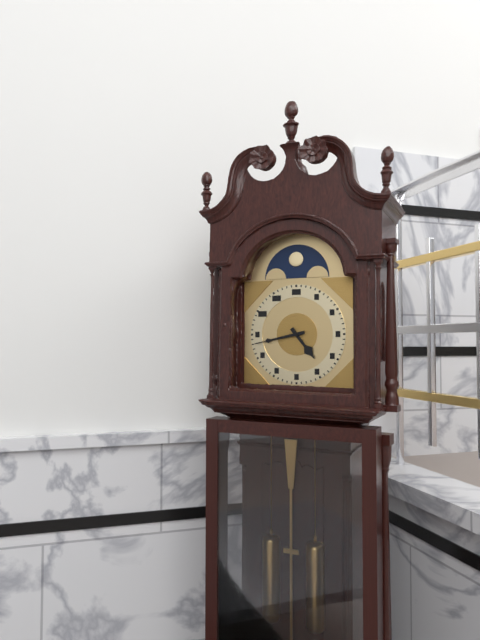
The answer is 4h43
